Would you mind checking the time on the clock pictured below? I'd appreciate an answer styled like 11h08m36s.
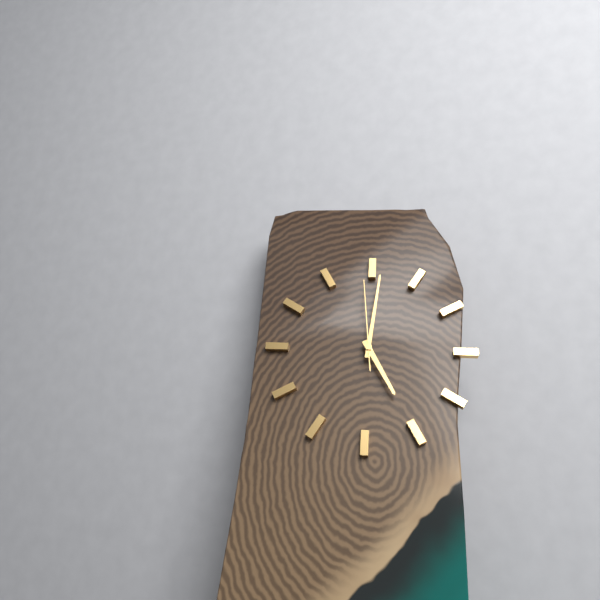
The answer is 5h01m59s
